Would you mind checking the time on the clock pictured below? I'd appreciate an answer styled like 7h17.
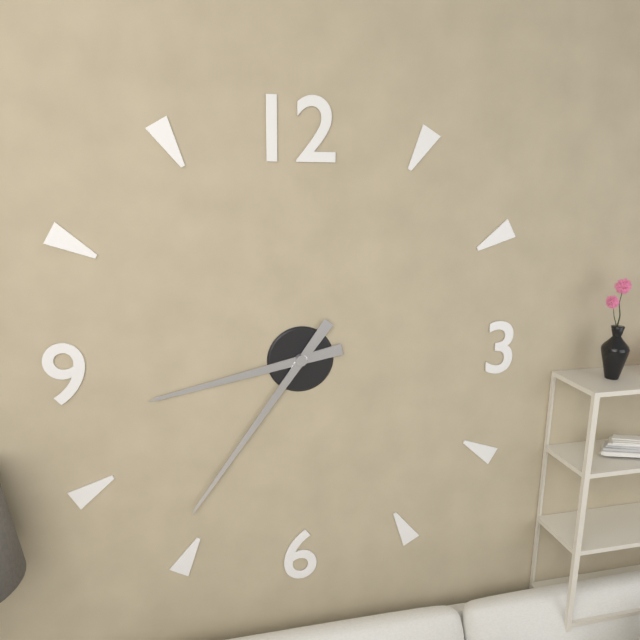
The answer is 8h36
